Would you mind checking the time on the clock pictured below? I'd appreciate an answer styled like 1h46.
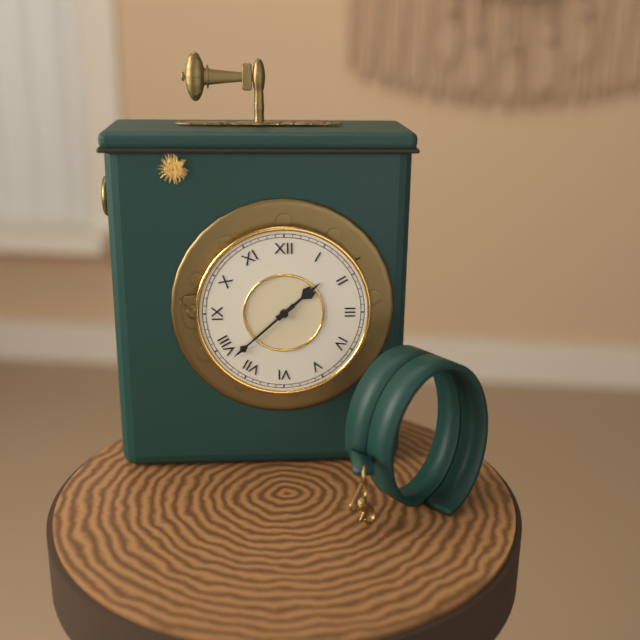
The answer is 1h38
